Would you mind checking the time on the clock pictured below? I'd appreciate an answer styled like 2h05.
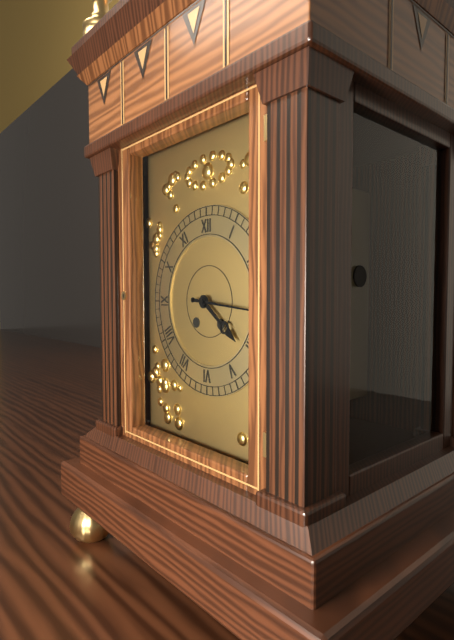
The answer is 4h16
